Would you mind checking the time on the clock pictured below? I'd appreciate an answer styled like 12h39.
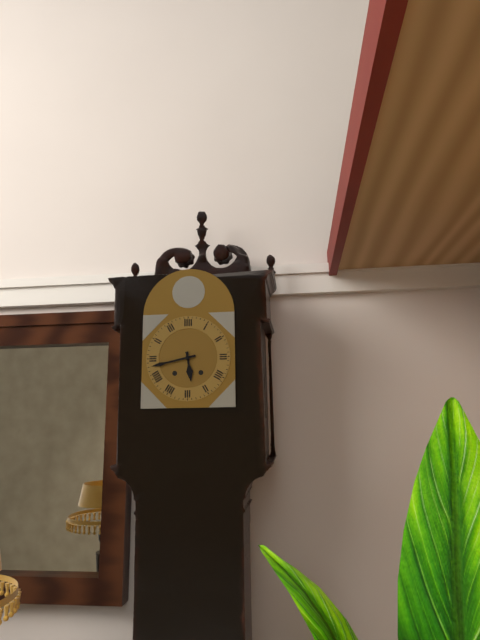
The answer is 5h43
